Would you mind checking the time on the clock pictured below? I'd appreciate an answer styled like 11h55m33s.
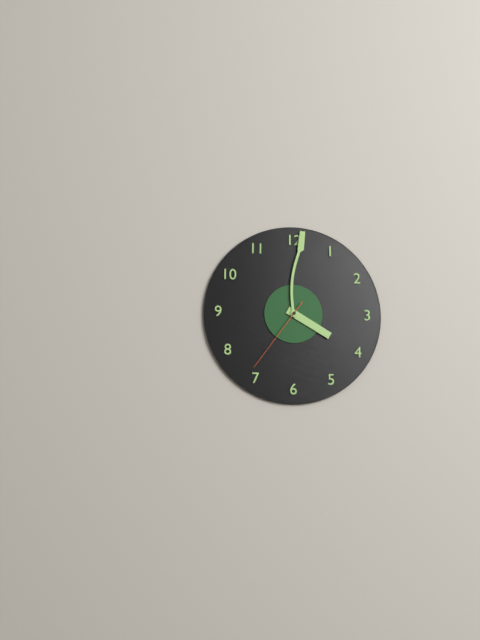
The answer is 4h01m36s
